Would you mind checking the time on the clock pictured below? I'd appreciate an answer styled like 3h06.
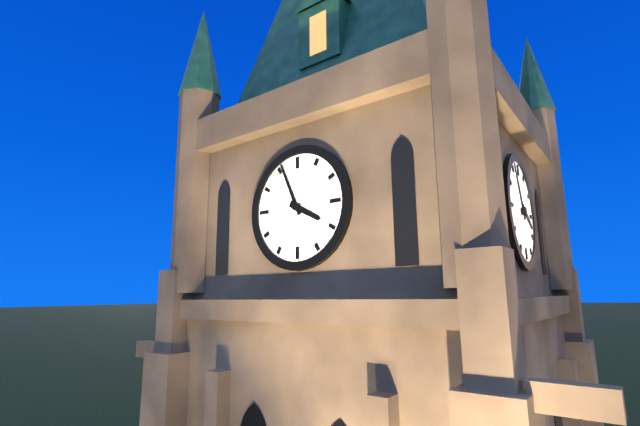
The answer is 3h56
